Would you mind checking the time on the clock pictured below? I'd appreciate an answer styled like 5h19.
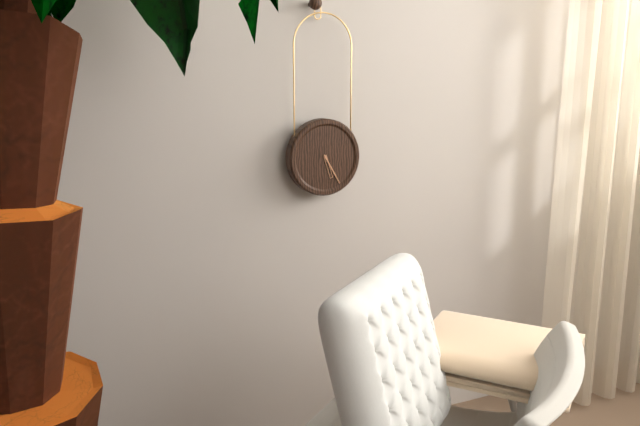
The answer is 5h25
